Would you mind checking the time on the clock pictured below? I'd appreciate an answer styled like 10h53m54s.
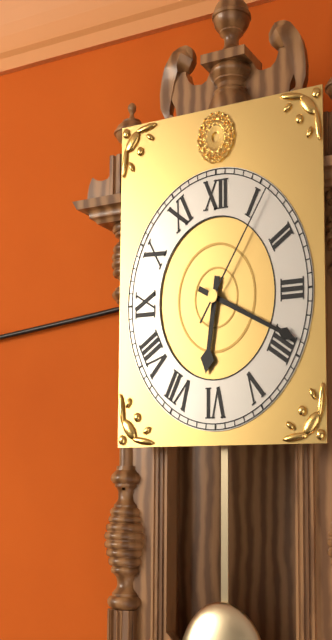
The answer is 6h19m06s
